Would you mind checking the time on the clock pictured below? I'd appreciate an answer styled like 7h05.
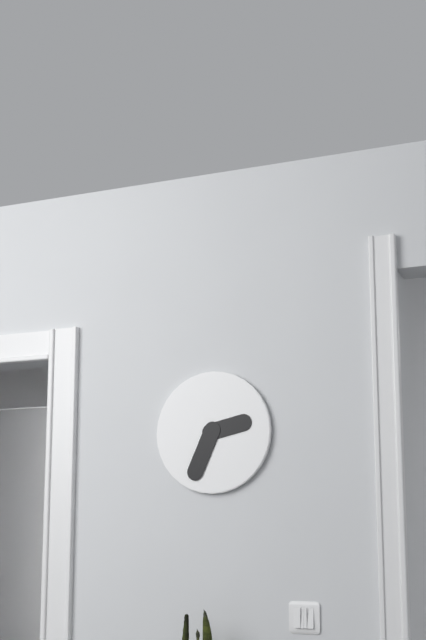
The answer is 2h34
